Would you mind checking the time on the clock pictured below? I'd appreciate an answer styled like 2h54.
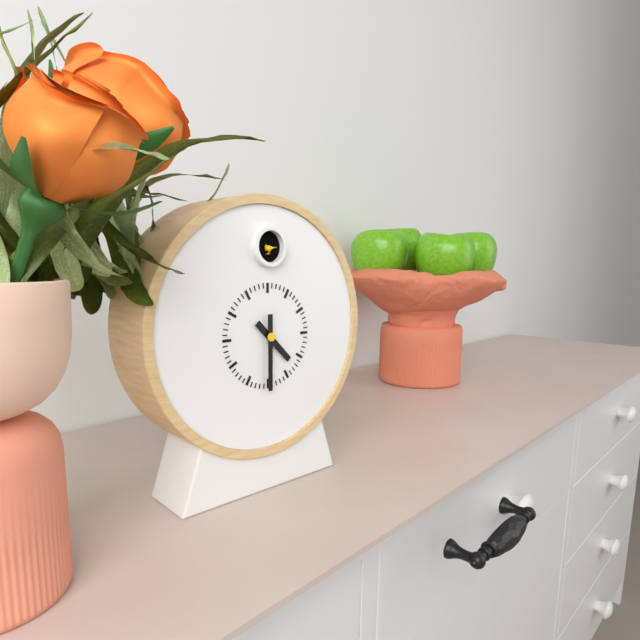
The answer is 4h30
